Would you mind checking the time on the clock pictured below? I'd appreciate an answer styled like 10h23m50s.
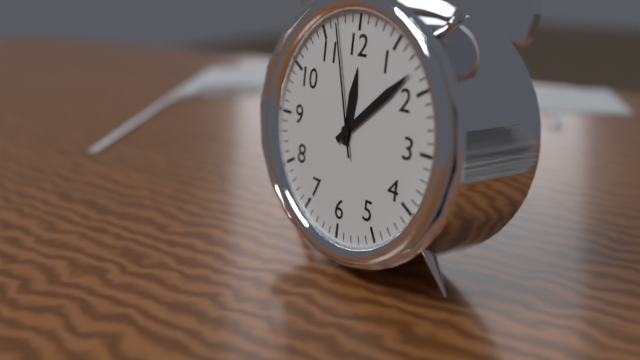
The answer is 12h08m57s
